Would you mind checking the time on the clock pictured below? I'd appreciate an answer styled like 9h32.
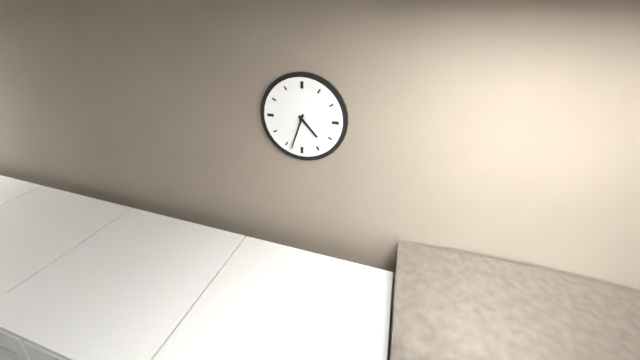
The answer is 4h33
